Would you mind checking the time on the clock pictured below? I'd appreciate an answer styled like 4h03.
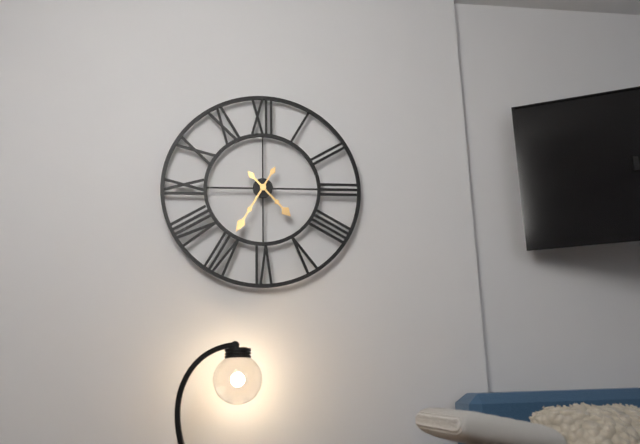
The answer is 4h35
